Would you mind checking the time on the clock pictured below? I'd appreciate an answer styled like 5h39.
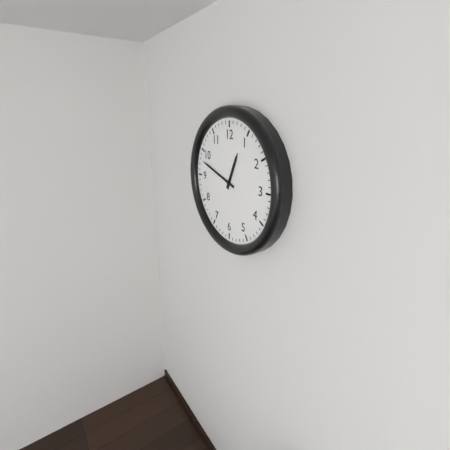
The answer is 12h48
